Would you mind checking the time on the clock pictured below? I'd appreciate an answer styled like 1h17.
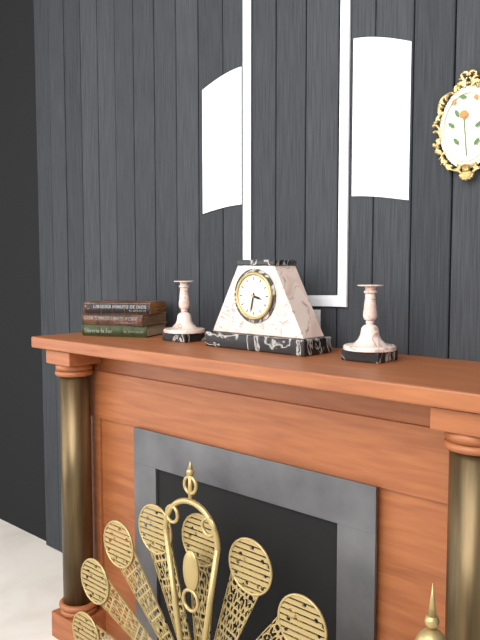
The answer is 3h32
